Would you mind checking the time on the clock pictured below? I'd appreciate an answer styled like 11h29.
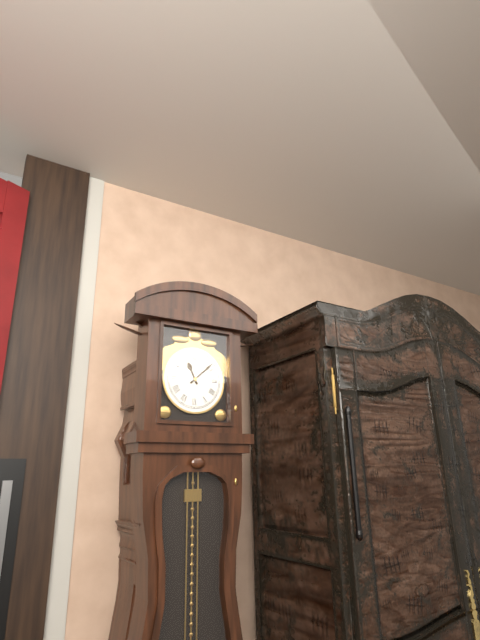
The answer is 11h08
